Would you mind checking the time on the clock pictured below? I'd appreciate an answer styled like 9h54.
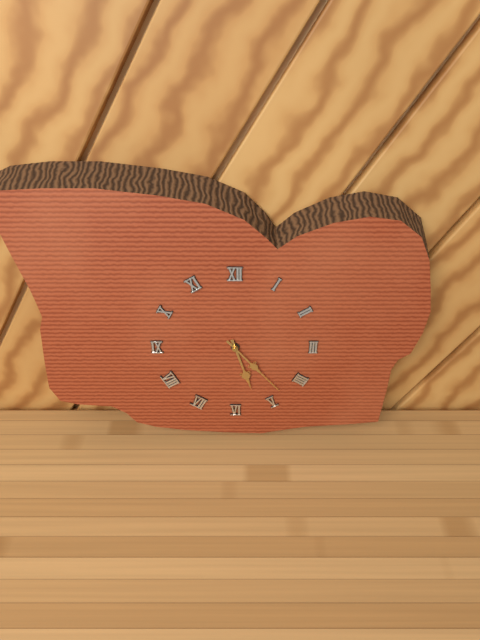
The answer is 5h23
